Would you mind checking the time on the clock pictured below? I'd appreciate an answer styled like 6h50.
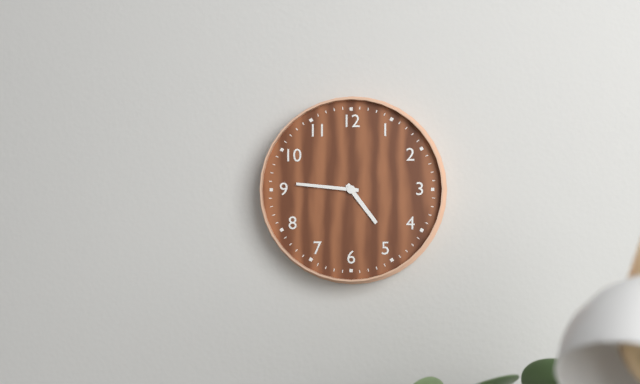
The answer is 4h46
